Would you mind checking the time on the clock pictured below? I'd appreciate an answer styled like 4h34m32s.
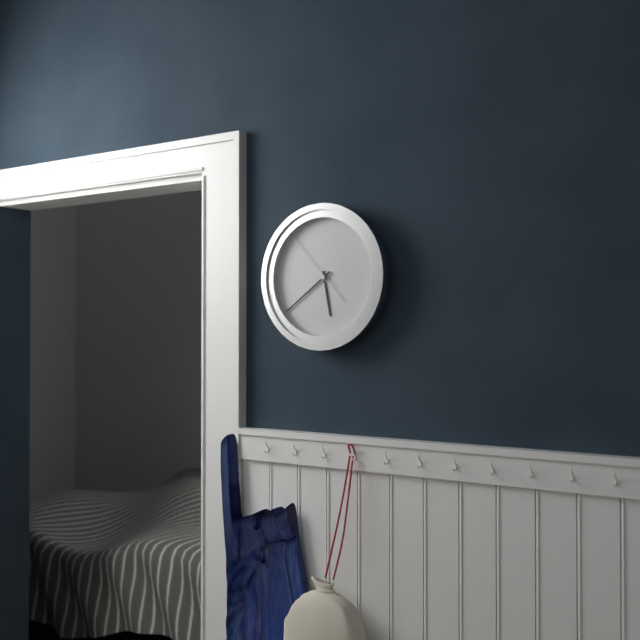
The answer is 5h39m53s
